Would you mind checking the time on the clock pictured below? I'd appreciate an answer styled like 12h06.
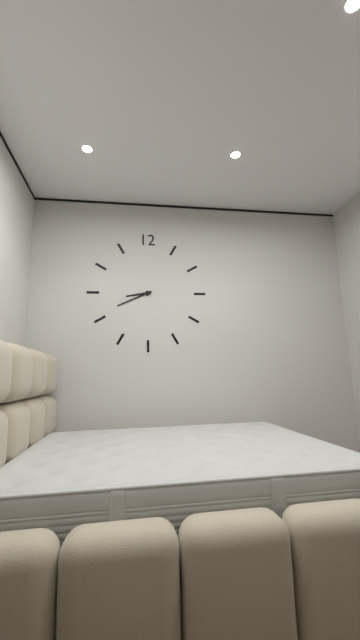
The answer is 8h41
